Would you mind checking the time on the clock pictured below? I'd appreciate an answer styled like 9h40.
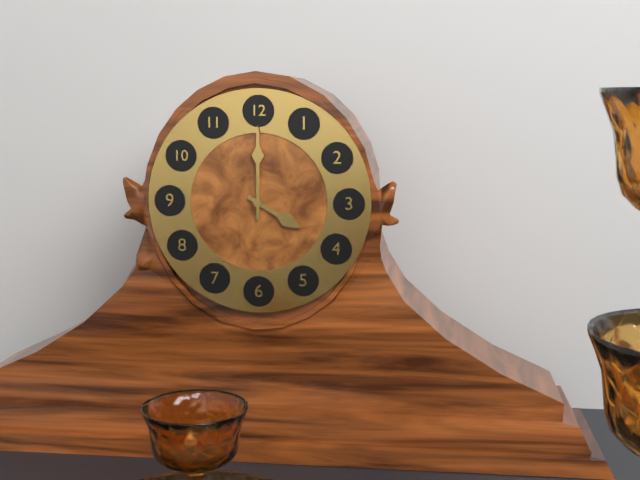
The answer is 4h00
